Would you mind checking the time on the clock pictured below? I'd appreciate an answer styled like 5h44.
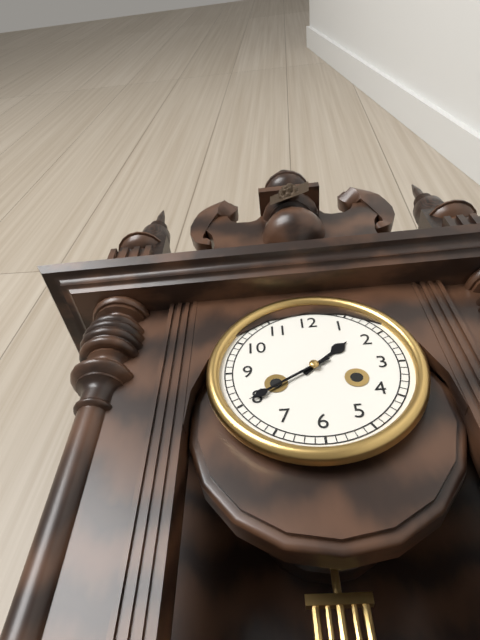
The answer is 1h40
